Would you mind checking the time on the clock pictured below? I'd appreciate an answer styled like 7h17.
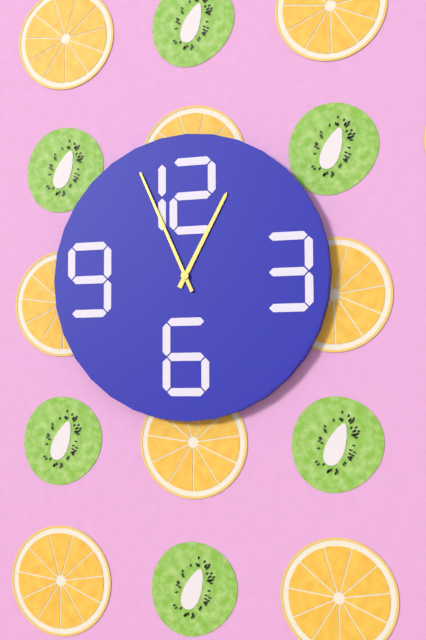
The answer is 12h56
